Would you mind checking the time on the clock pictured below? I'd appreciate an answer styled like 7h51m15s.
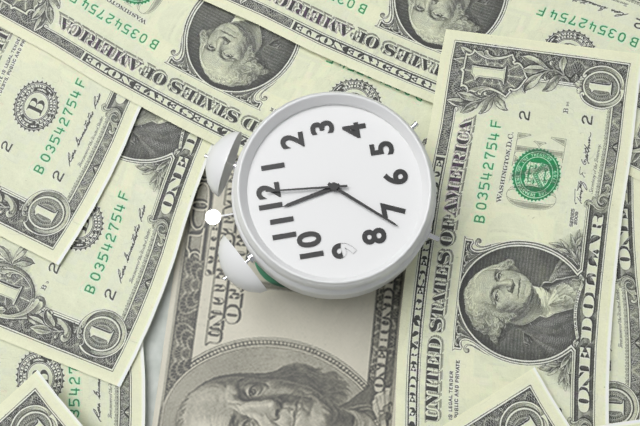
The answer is 11h37m01s
